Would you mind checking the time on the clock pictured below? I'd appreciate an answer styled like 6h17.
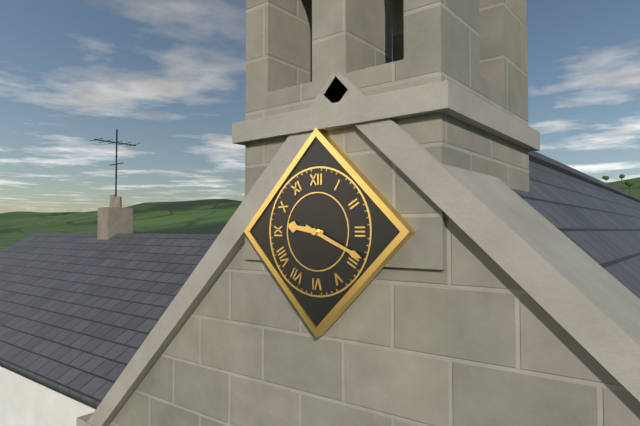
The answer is 9h19
